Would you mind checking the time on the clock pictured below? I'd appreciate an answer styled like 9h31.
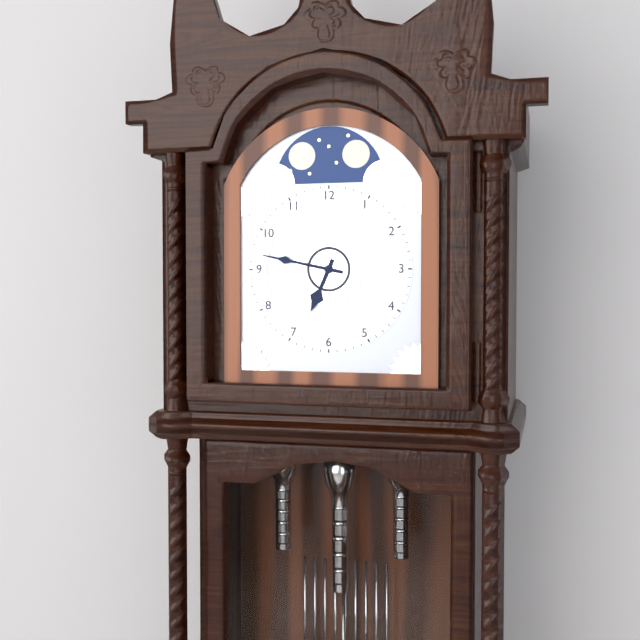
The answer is 6h47
